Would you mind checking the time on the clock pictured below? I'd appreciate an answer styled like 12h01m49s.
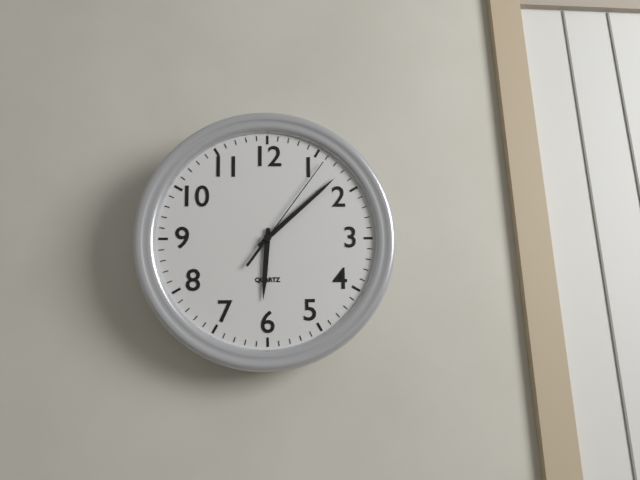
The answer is 6h08m06s
